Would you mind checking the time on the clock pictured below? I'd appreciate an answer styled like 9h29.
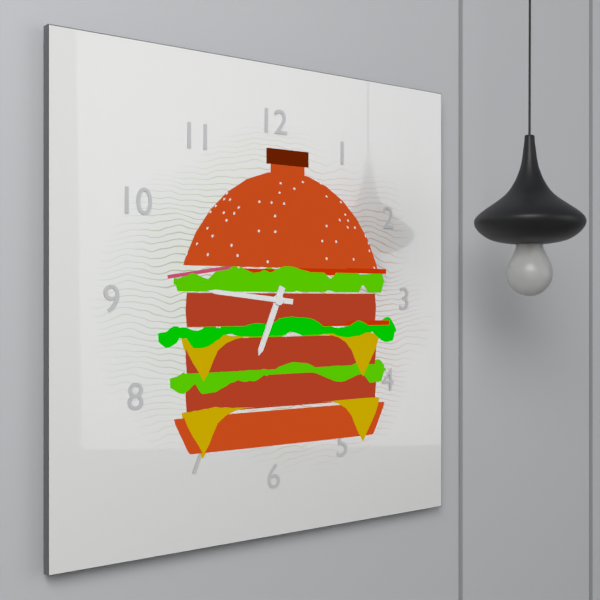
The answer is 6h46
